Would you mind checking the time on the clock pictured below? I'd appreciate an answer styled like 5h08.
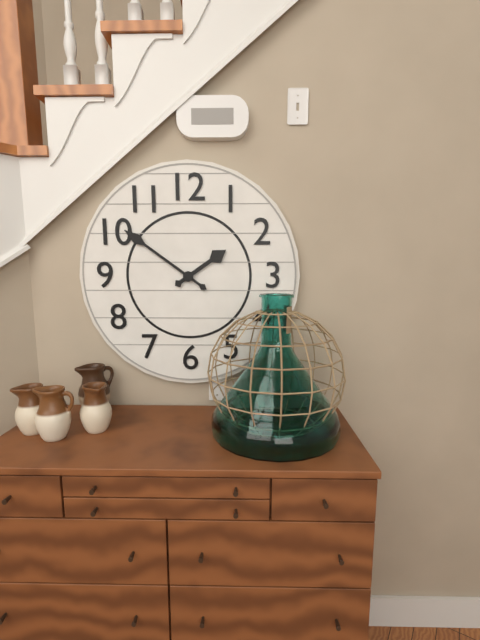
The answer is 1h51
